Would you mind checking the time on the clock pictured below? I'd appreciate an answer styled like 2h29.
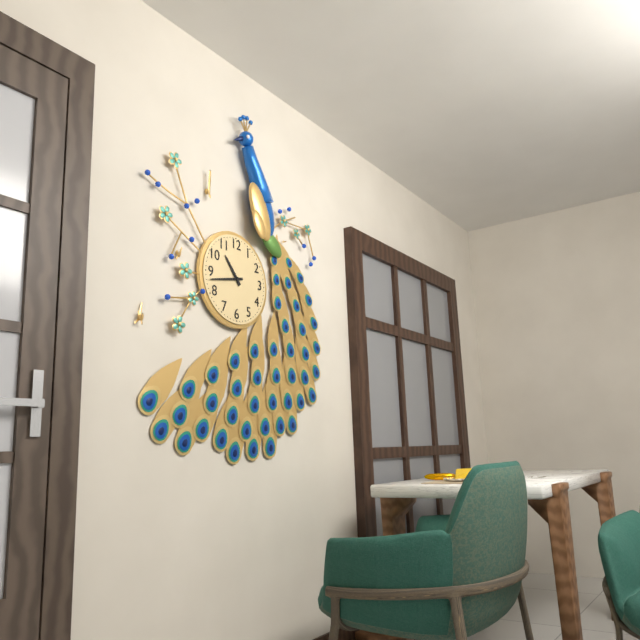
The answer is 10h43
